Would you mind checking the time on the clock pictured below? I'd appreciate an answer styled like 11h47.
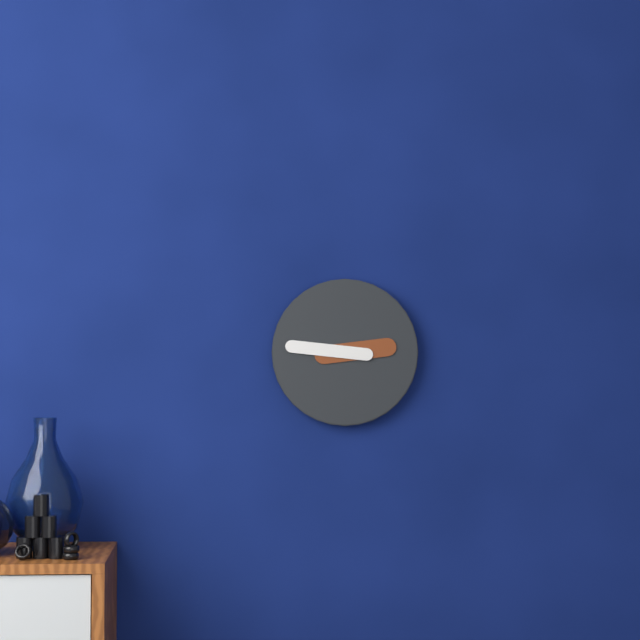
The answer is 2h46
